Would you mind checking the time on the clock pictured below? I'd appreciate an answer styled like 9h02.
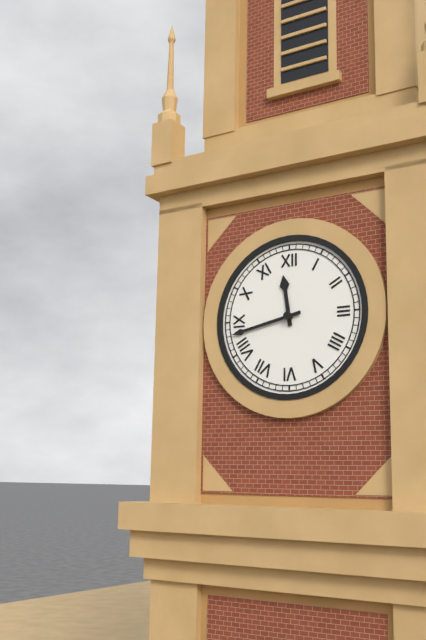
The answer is 11h43
